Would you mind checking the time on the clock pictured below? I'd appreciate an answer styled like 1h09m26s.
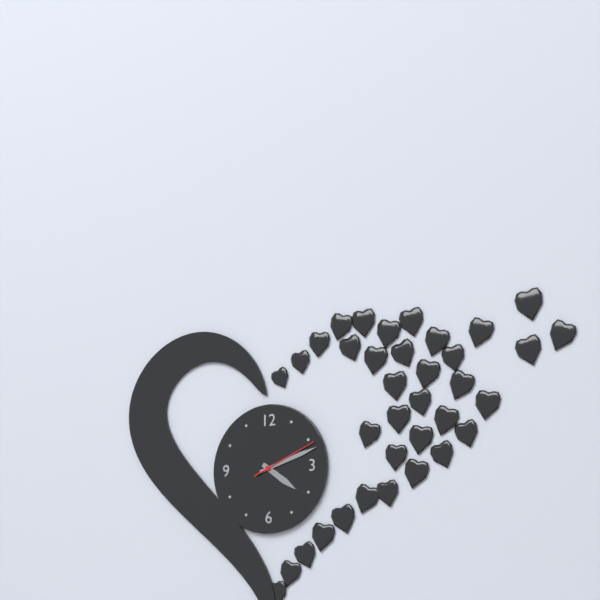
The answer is 4h12m11s
